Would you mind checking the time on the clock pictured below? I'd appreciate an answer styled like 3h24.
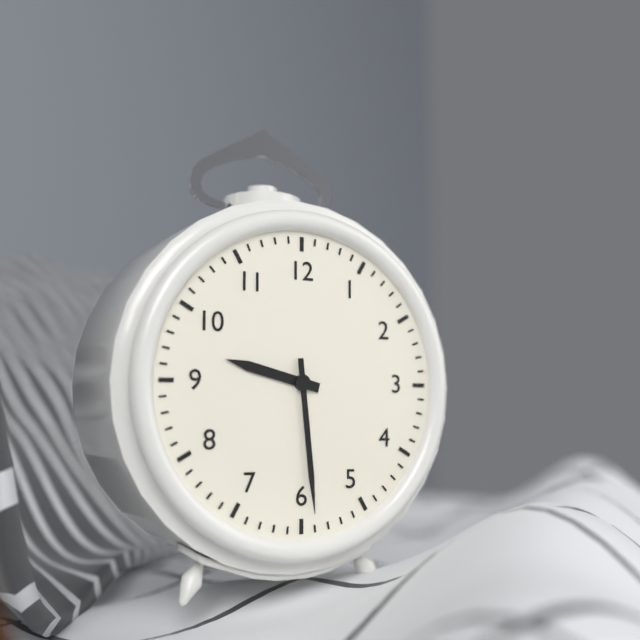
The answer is 9h29
